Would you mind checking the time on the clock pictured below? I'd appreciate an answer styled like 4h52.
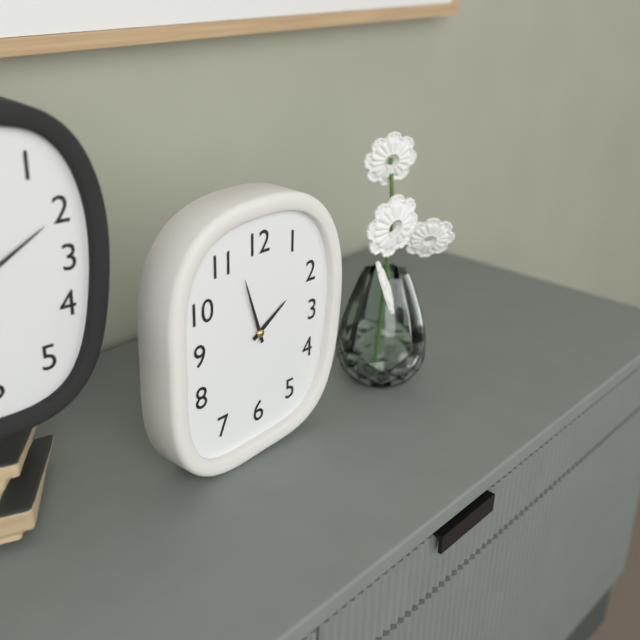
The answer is 1h57
